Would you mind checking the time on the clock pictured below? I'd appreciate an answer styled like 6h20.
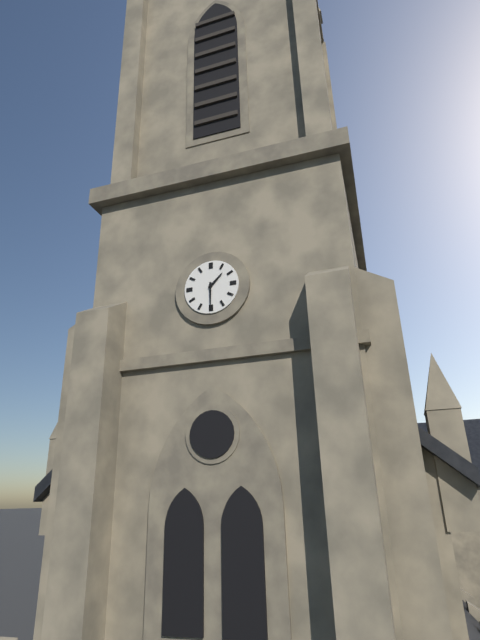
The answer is 1h30
